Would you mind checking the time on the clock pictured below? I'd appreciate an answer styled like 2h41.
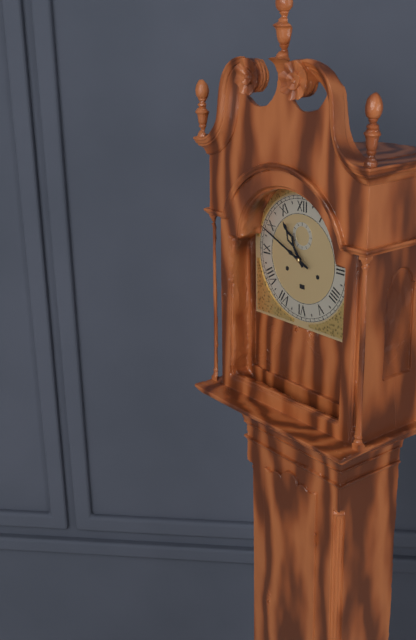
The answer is 10h49
